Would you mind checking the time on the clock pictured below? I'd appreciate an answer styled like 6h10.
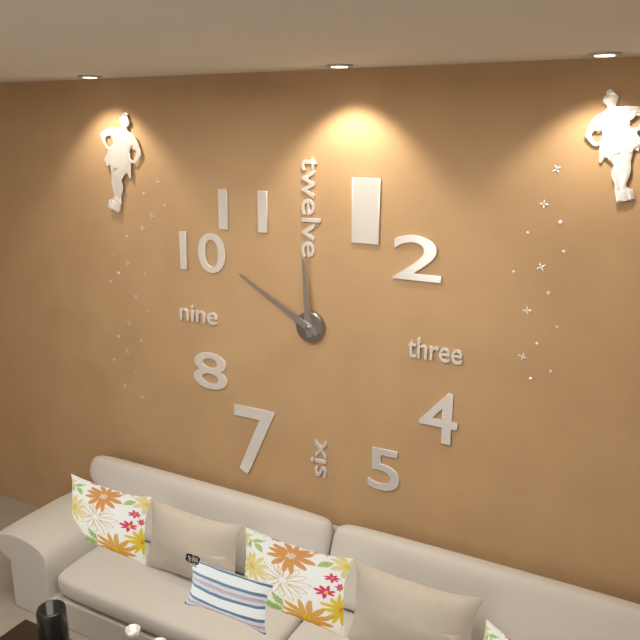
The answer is 11h50
